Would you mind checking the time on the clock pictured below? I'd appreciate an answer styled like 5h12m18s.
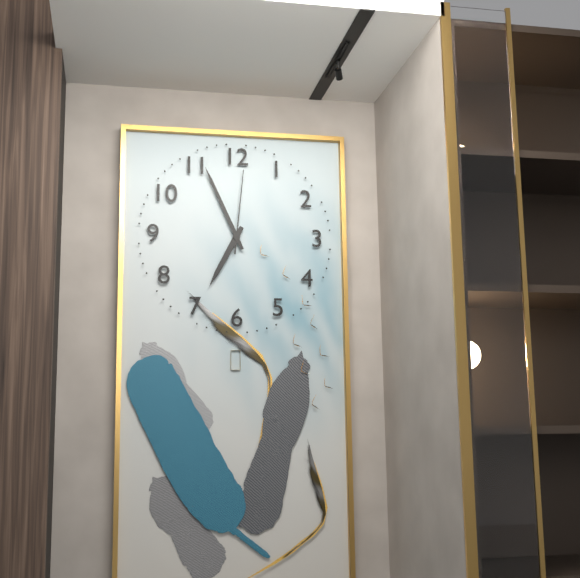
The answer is 6h56m01s
